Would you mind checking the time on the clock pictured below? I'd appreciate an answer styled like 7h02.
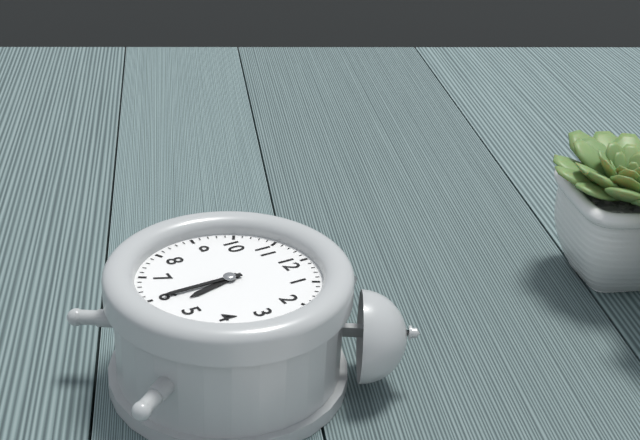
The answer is 5h30
